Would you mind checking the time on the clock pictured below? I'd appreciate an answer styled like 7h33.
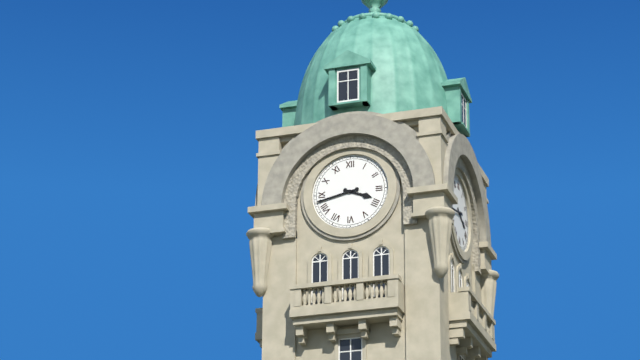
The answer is 3h43
